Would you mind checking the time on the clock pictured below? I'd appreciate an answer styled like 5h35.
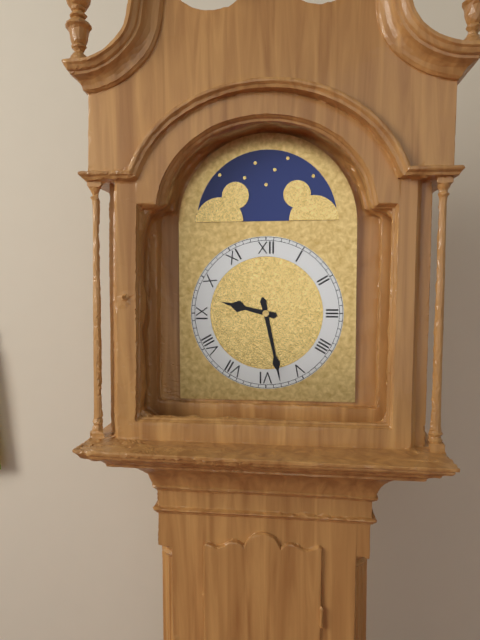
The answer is 9h28
